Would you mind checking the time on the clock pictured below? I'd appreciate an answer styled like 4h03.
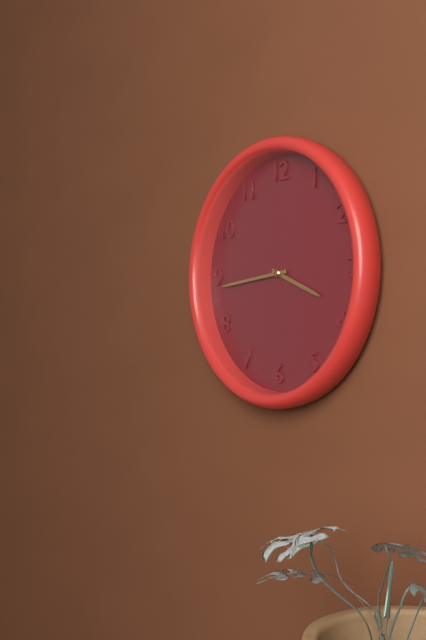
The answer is 3h44
